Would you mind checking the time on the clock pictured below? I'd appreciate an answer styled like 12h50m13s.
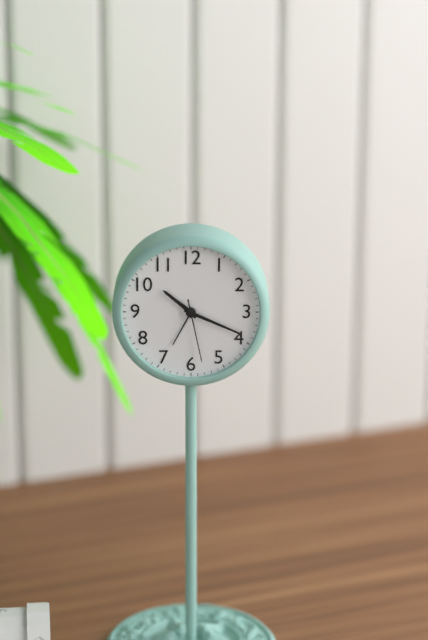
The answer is 10h19m28s
